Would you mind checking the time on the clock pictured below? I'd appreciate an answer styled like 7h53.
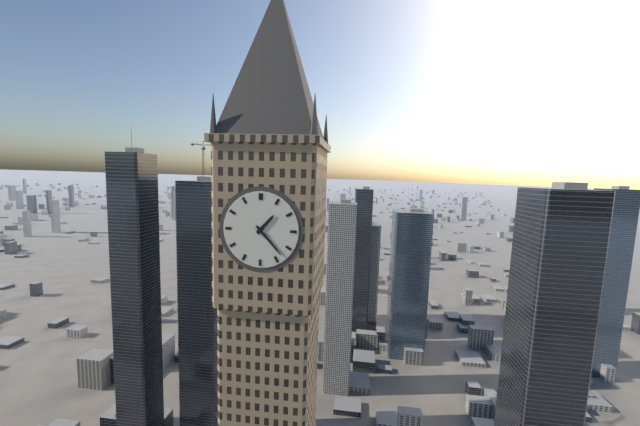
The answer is 1h23
